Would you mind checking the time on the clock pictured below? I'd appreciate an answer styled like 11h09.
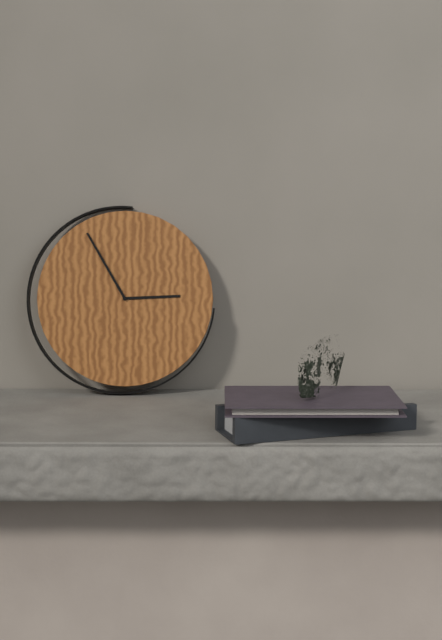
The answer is 2h55
